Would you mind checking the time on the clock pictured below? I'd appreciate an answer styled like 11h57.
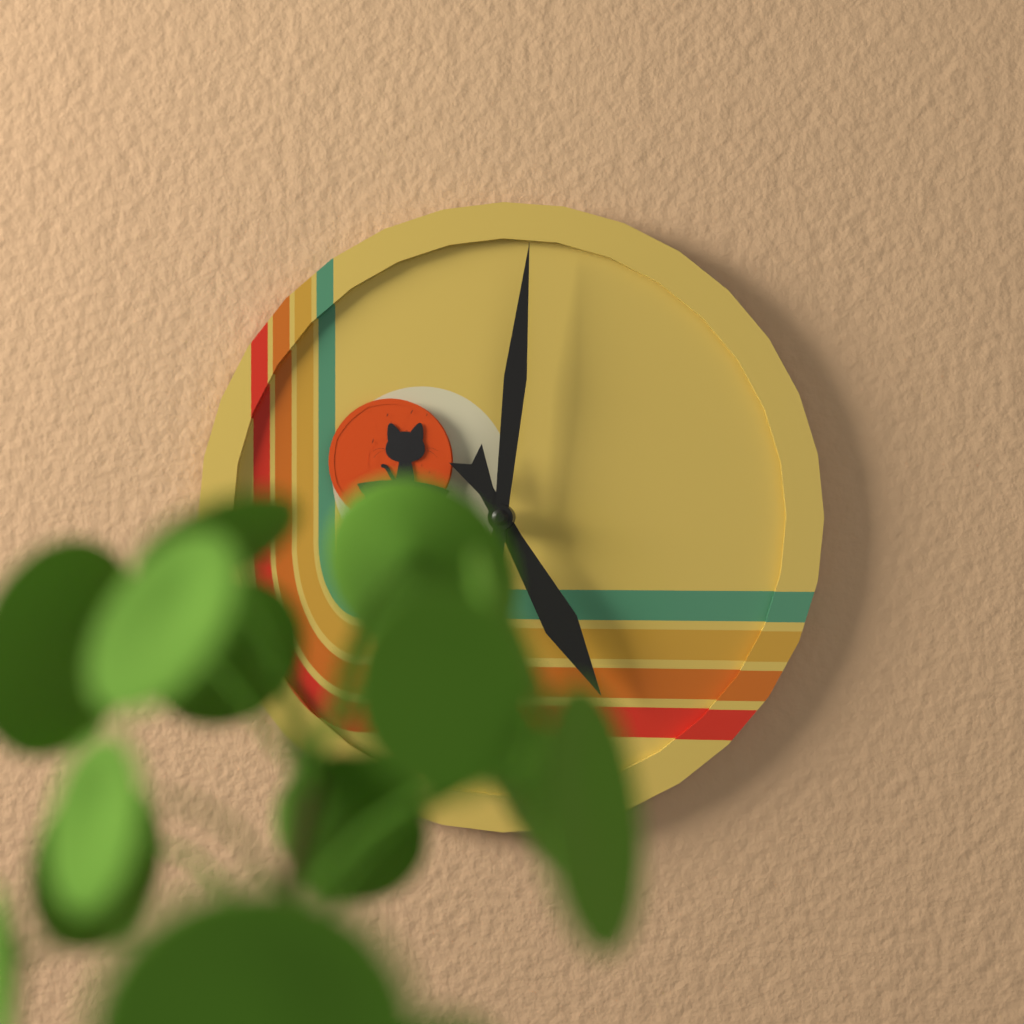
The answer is 5h01
